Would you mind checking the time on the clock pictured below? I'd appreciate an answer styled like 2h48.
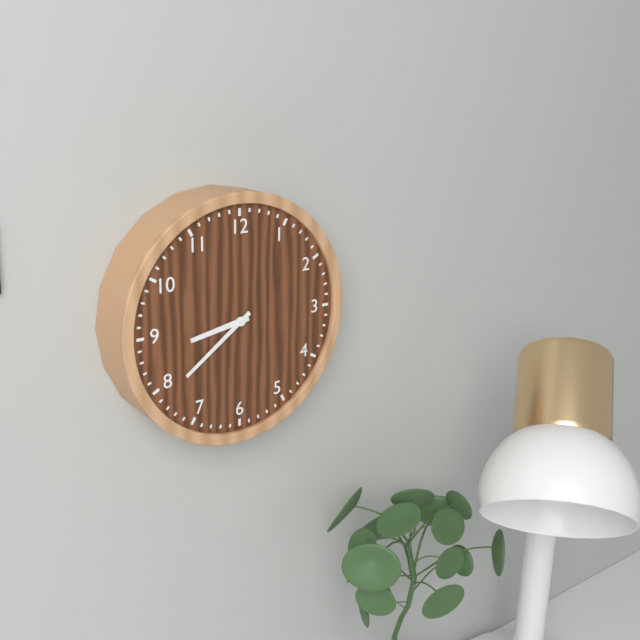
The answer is 8h39
